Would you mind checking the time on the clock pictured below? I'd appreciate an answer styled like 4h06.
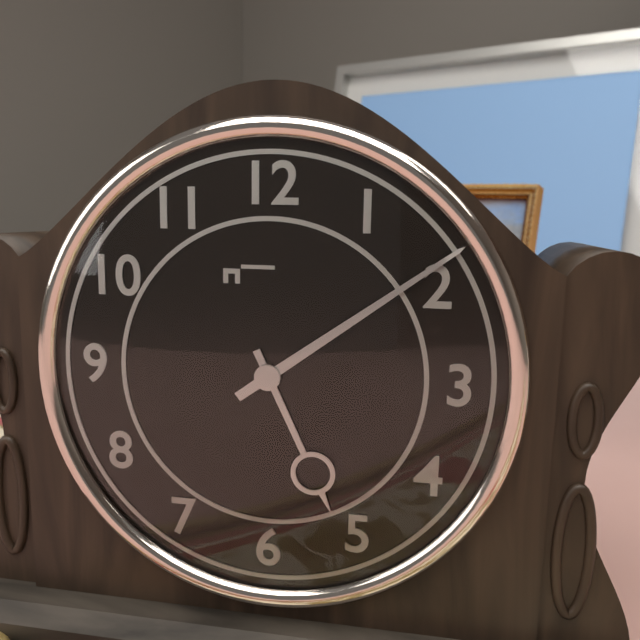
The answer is 5h09
